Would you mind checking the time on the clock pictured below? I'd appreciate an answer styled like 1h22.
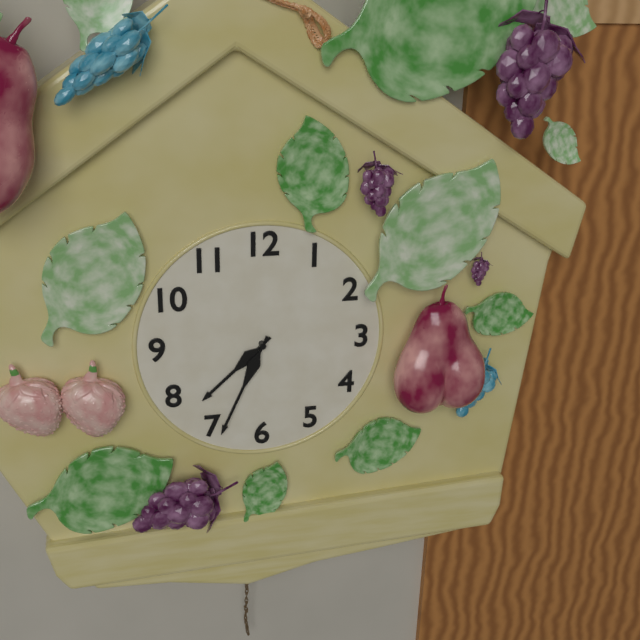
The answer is 7h34
